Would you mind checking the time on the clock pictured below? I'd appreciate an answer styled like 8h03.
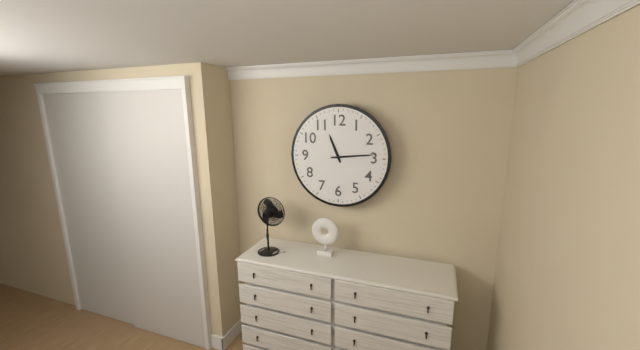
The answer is 11h14
